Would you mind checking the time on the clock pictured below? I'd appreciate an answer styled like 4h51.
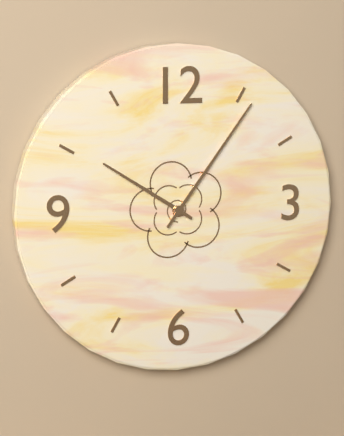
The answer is 10h06
